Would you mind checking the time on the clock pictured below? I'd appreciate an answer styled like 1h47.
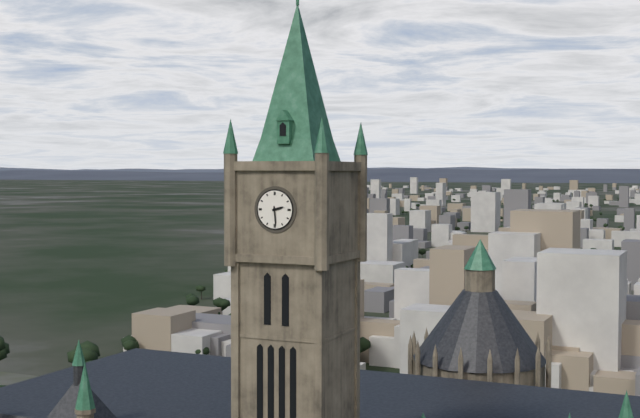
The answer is 2h29
